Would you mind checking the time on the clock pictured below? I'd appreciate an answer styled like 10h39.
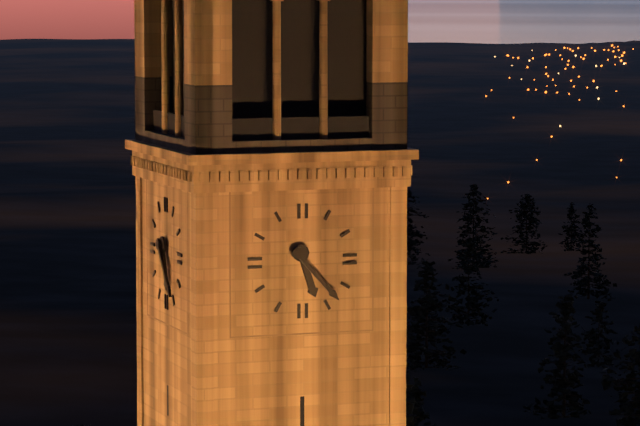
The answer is 5h23
